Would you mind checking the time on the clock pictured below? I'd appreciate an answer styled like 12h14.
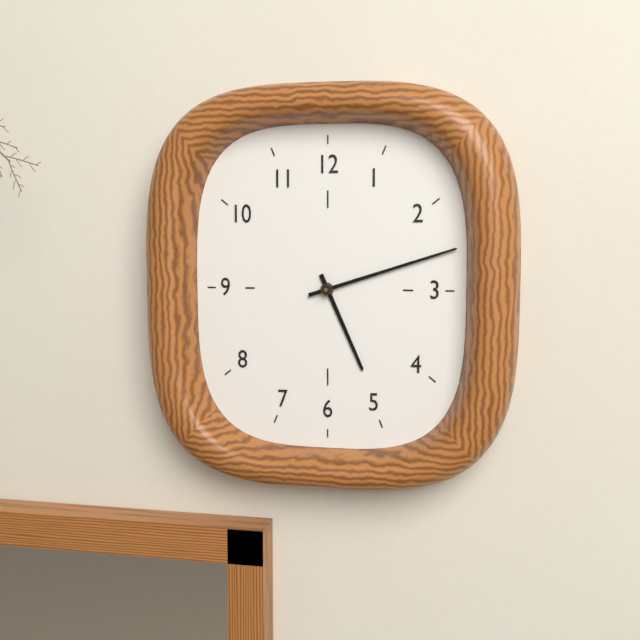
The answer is 5h12
